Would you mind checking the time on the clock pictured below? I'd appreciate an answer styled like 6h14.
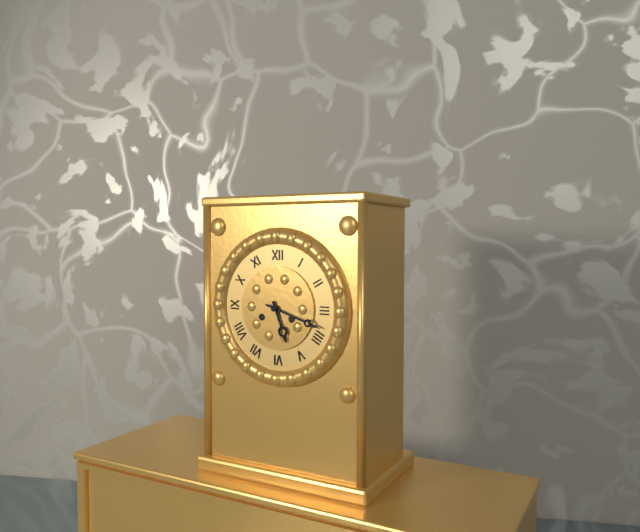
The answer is 5h18
